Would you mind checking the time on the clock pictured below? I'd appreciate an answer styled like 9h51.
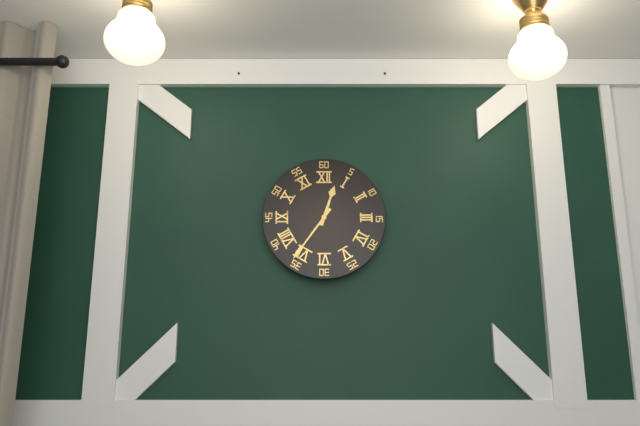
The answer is 12h36
